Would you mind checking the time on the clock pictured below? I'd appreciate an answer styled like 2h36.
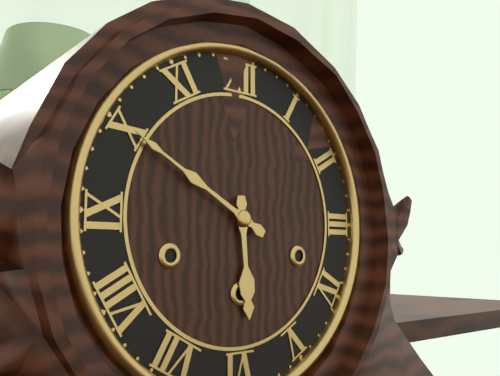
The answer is 5h50
